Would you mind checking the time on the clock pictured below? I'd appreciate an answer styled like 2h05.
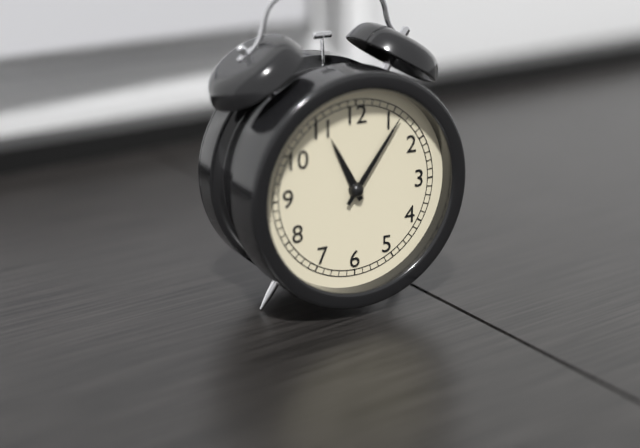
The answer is 11h06
